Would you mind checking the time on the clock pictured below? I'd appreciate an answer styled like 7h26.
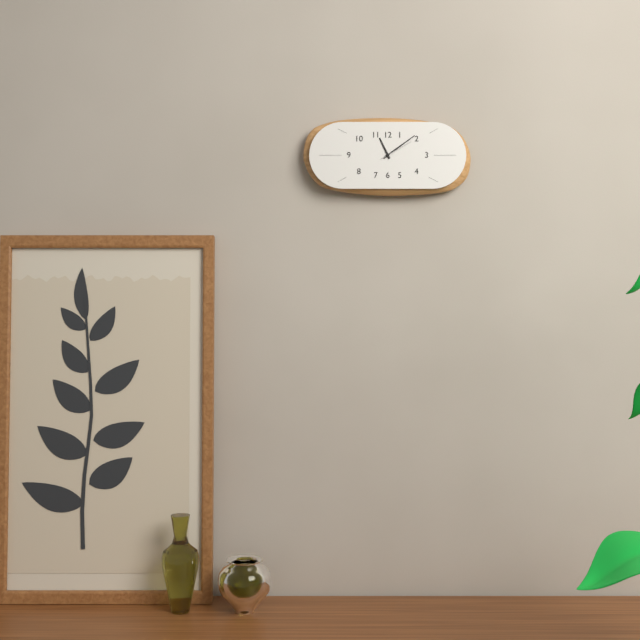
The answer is 11h09
